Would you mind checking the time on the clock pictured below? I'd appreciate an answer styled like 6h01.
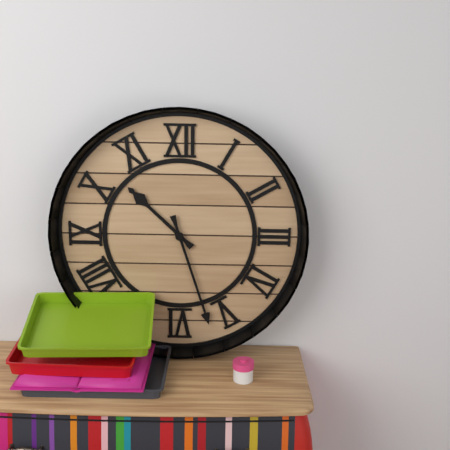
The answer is 10h27
